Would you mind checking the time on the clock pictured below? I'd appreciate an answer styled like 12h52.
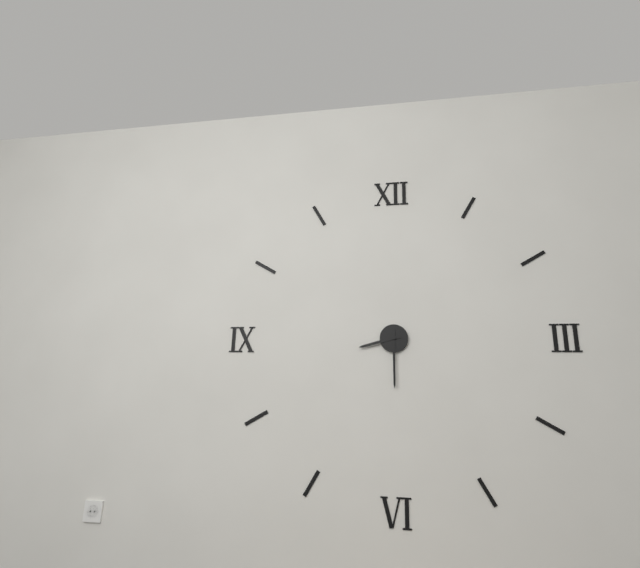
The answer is 8h30
